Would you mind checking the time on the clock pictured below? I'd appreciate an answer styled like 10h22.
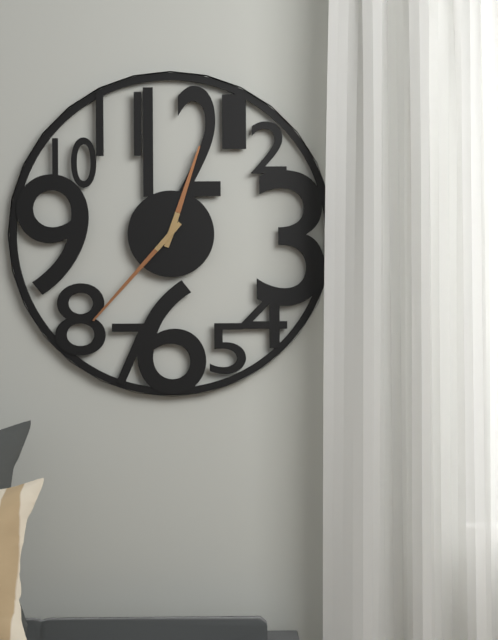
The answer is 12h37
